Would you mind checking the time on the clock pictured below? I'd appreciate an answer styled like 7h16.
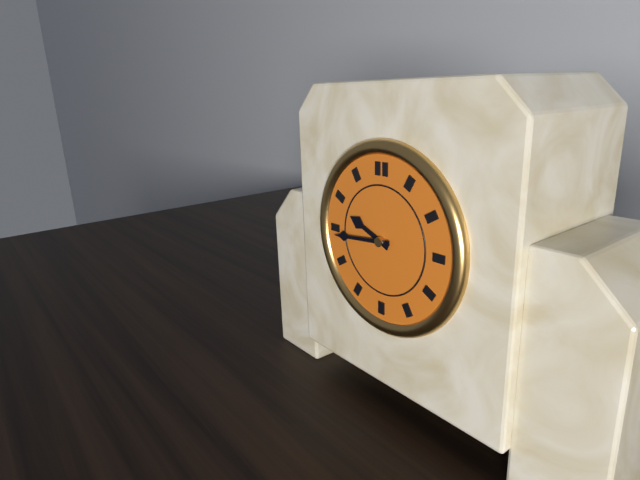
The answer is 9h44
